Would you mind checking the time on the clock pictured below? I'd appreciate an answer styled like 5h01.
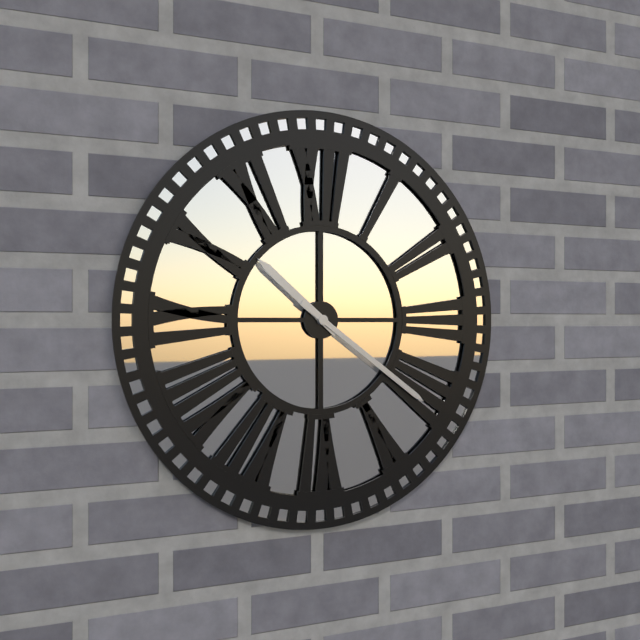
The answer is 10h21
